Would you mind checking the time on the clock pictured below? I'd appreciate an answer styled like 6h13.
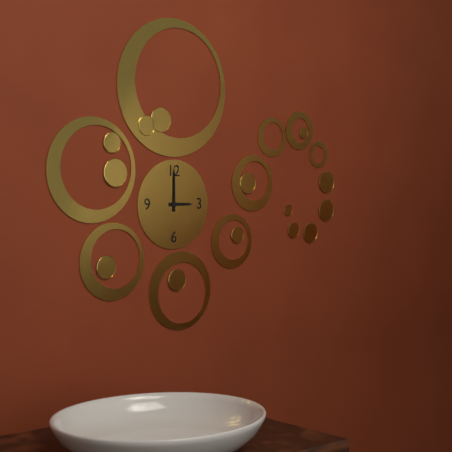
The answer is 3h00
